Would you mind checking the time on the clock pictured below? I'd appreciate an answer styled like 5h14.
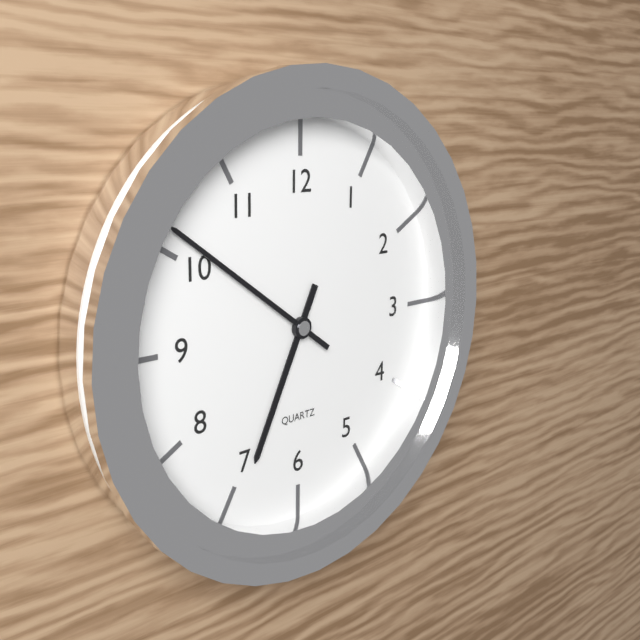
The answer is 6h51
